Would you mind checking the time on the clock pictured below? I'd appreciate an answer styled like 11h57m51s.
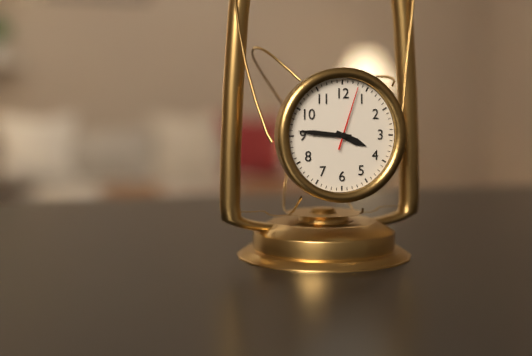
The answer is 3h46m03s
